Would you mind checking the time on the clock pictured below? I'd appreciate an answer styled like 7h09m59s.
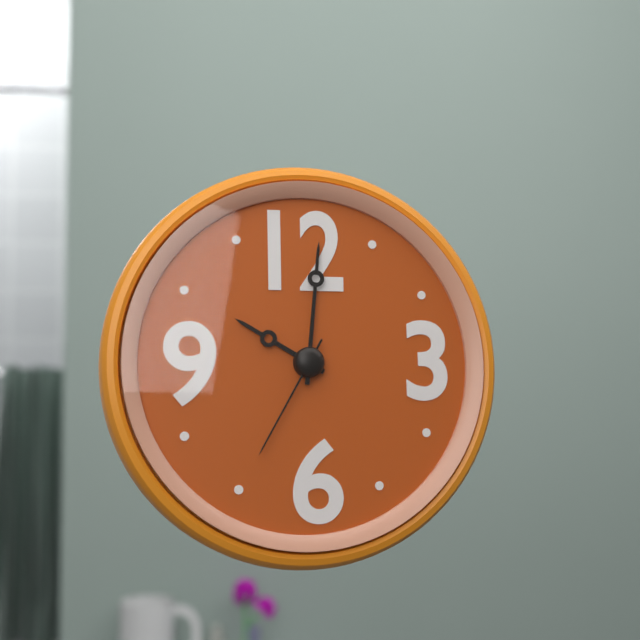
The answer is 10h01m35s
